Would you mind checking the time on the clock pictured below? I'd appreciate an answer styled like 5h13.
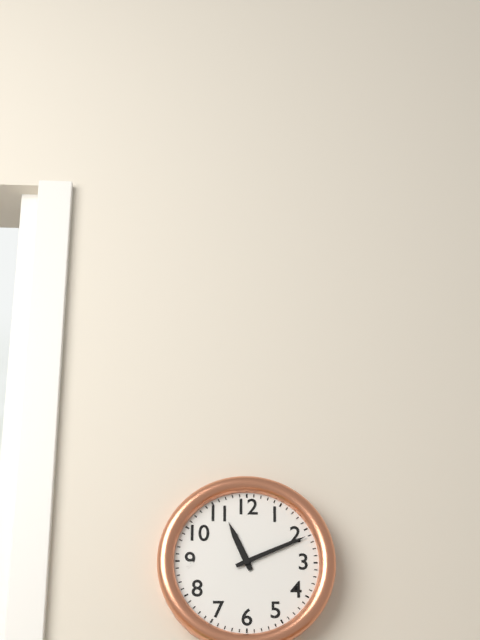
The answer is 11h11
